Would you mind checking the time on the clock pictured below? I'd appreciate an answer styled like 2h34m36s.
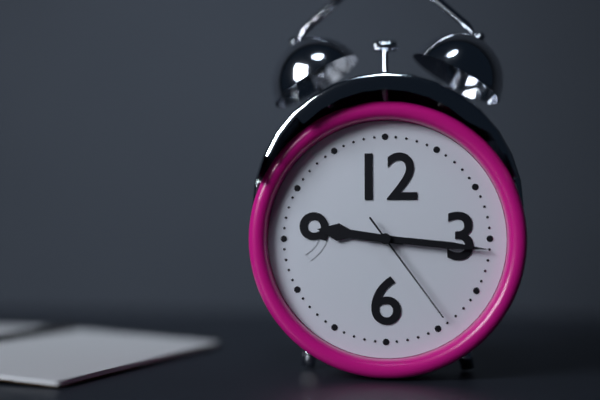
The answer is 9h16m24s
